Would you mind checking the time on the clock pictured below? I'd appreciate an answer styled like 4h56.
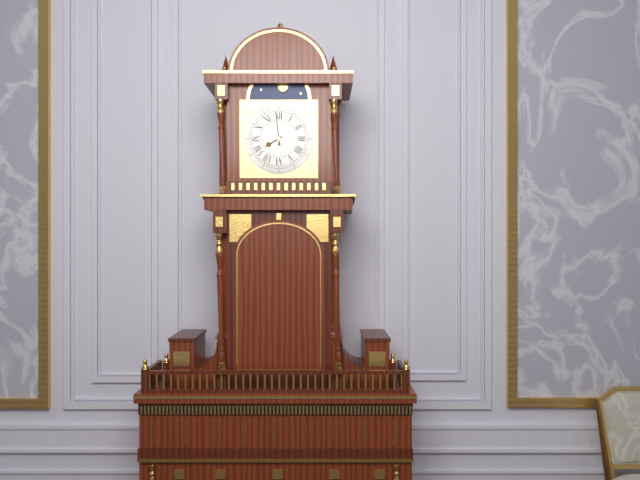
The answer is 7h59
